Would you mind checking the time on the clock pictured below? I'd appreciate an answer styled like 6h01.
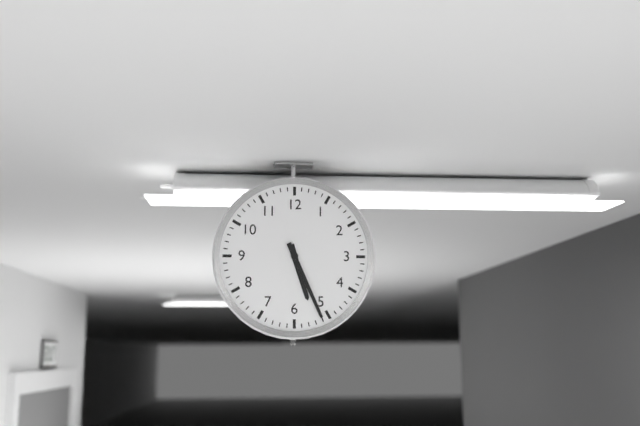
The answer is 5h26
